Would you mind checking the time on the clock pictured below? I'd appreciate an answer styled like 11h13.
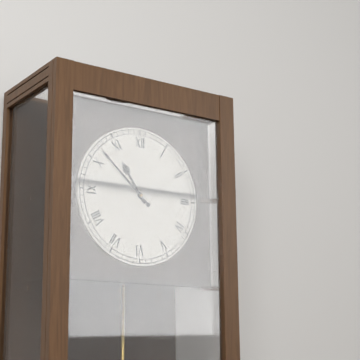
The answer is 10h52
